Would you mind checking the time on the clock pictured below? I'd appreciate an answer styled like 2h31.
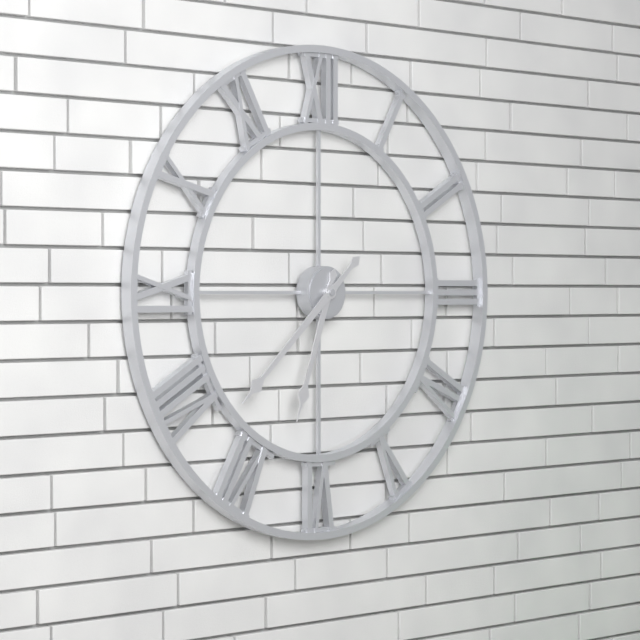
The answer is 6h38
